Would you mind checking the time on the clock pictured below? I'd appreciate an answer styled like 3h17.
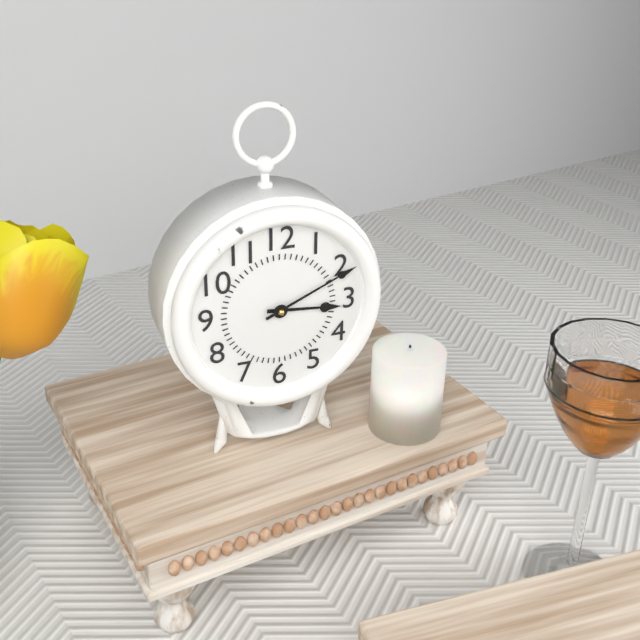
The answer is 3h11
